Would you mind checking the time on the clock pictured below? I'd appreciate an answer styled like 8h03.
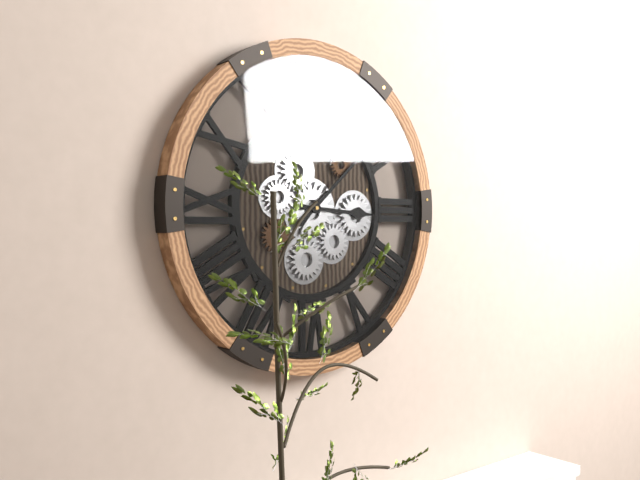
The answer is 3h08
